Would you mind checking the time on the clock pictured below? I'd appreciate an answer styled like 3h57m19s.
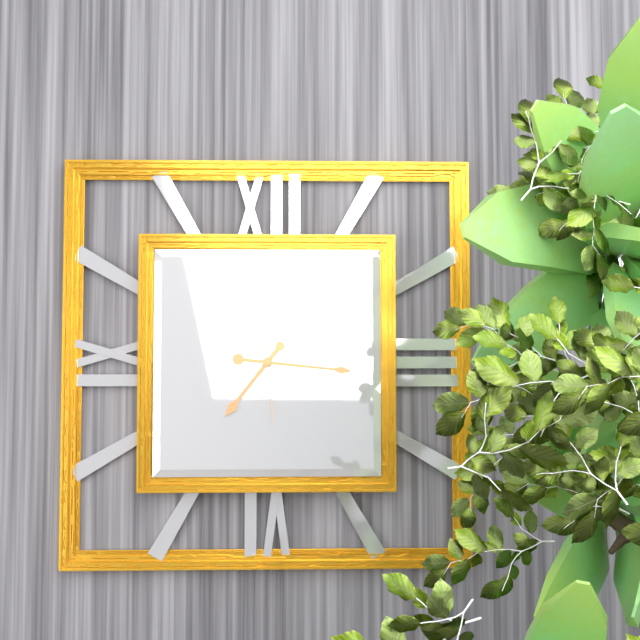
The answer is 7h16m29s
